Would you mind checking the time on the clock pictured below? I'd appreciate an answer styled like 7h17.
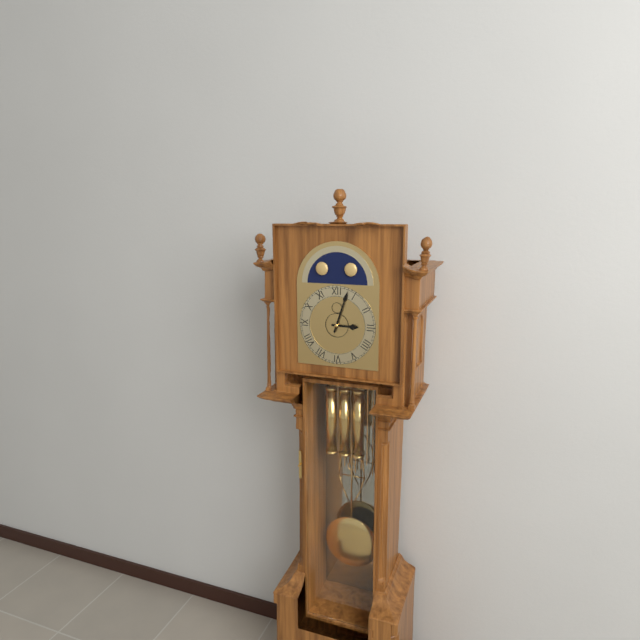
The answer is 3h03
